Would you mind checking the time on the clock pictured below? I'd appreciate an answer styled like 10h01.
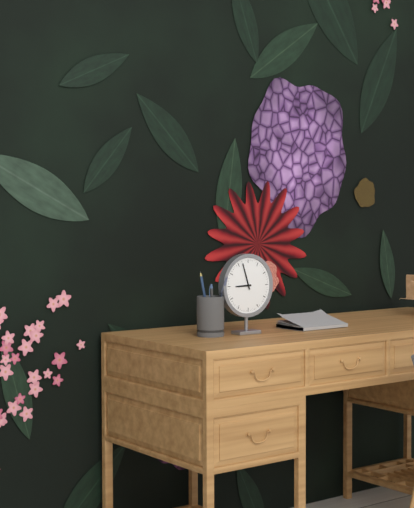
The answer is 8h57
